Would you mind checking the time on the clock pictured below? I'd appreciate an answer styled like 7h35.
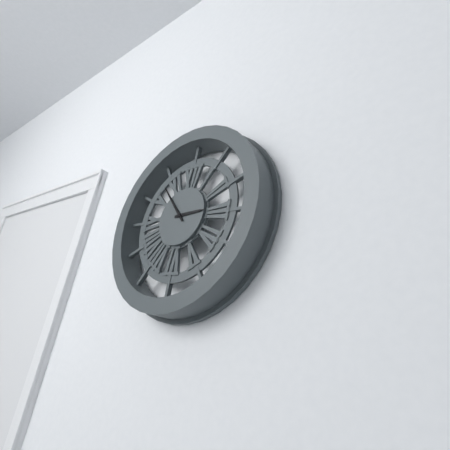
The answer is 2h53
